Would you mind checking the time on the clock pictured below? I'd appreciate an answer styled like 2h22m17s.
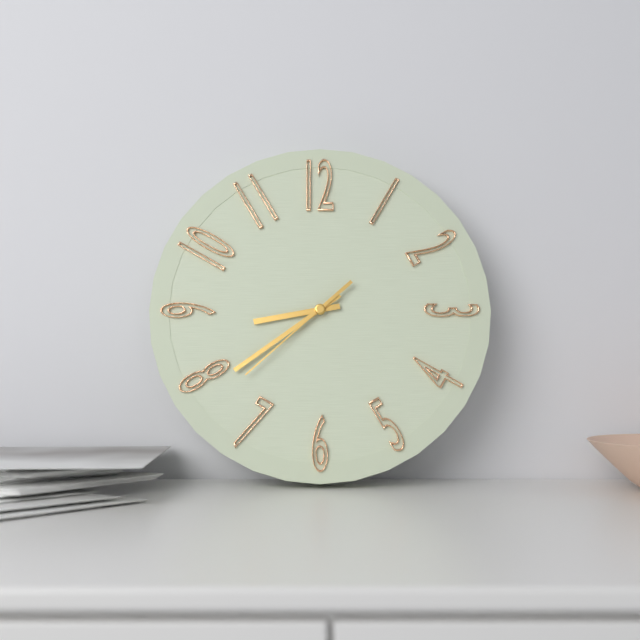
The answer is 8h39m38s
